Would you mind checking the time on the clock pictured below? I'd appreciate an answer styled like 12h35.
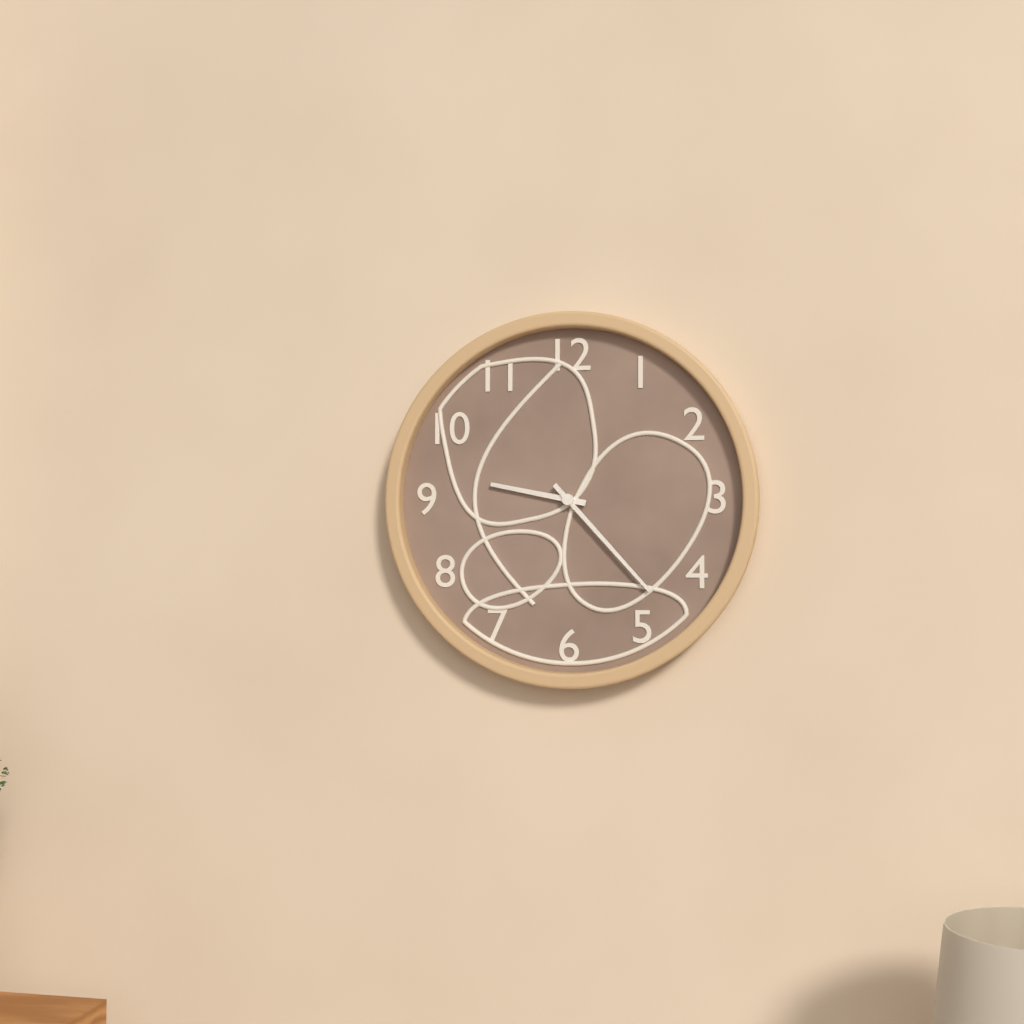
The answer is 9h23
